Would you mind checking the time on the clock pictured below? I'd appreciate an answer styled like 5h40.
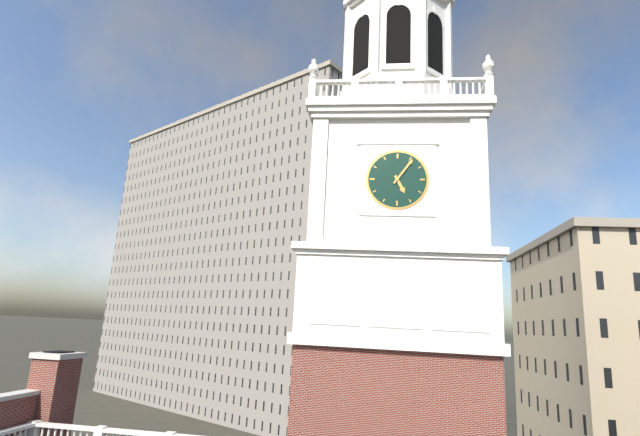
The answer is 5h06
